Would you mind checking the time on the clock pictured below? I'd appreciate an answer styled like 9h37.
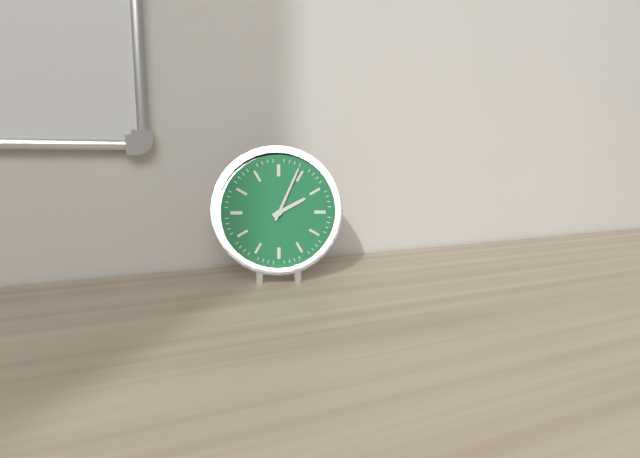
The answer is 2h04
